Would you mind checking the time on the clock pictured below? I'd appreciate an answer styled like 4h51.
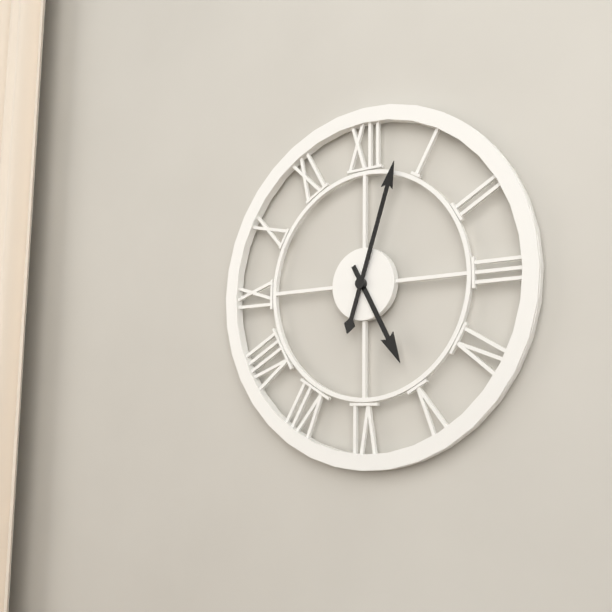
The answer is 5h03
